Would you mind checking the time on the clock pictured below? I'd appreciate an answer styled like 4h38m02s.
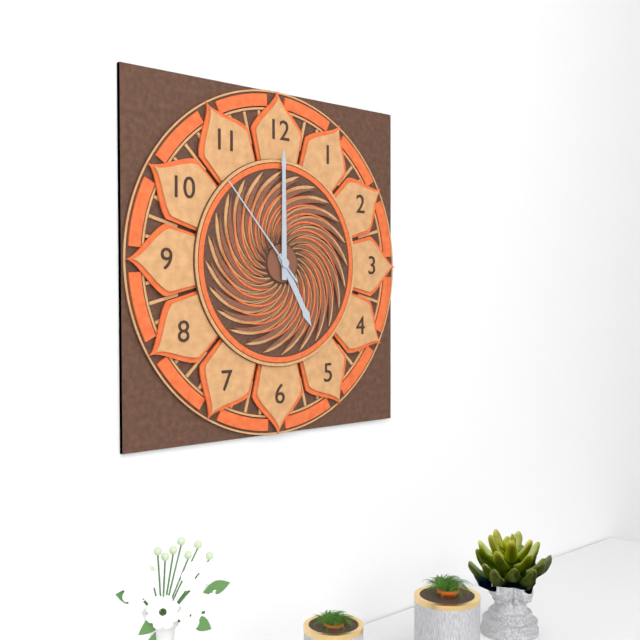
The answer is 5h00m53s
